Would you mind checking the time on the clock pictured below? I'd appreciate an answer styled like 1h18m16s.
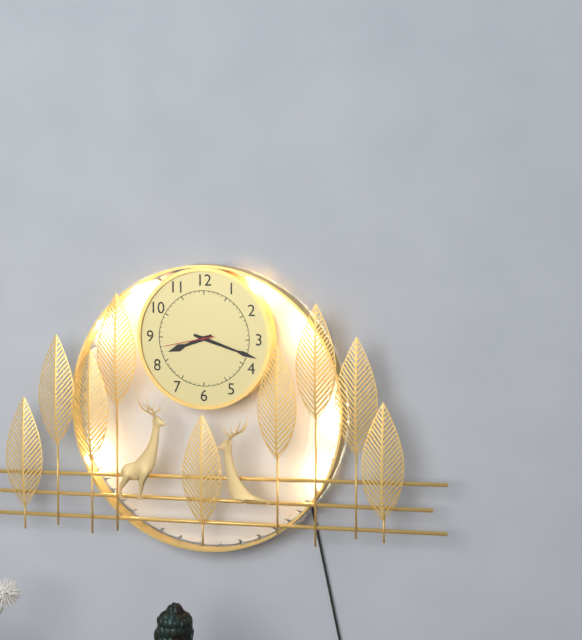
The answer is 8h18m43s
